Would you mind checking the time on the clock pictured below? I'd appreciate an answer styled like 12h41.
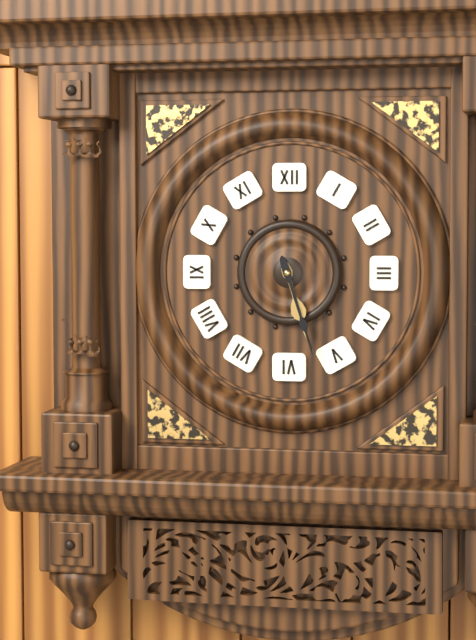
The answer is 5h27
